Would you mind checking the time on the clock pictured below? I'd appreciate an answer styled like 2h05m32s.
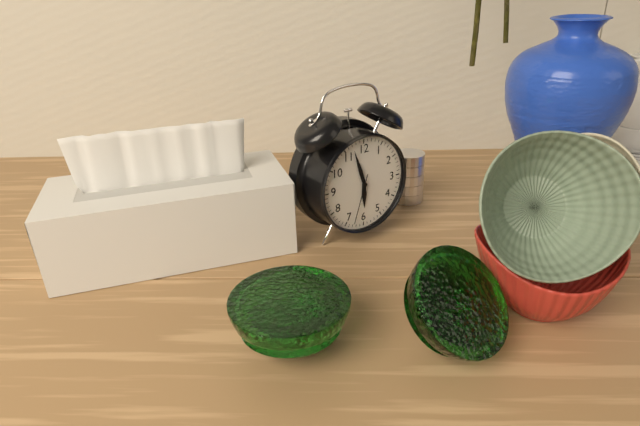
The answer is 5h57m33s
